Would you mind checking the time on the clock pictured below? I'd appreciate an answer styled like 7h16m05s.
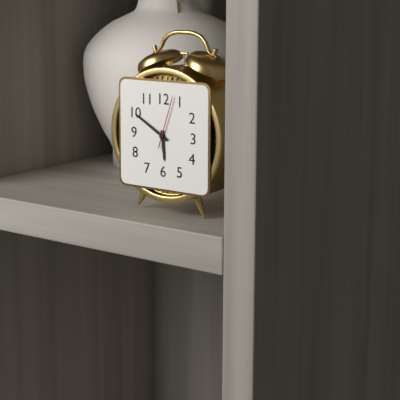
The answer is 5h50m03s
